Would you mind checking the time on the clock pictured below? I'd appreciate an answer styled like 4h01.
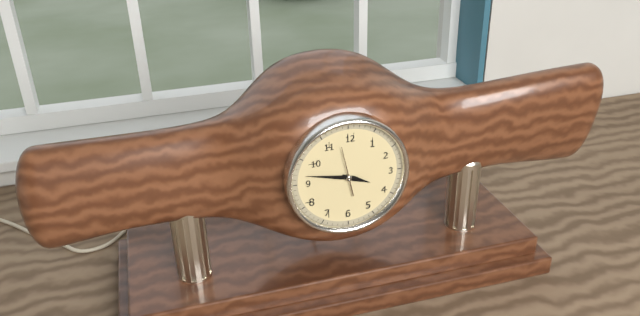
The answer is 3h47
